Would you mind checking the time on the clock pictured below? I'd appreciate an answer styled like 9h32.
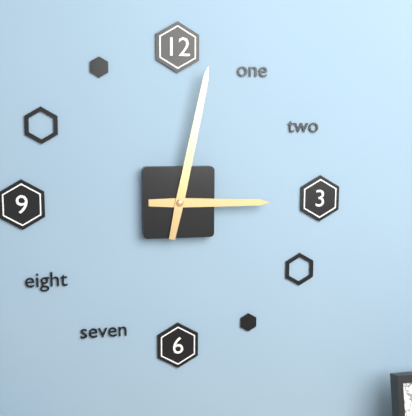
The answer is 3h02
